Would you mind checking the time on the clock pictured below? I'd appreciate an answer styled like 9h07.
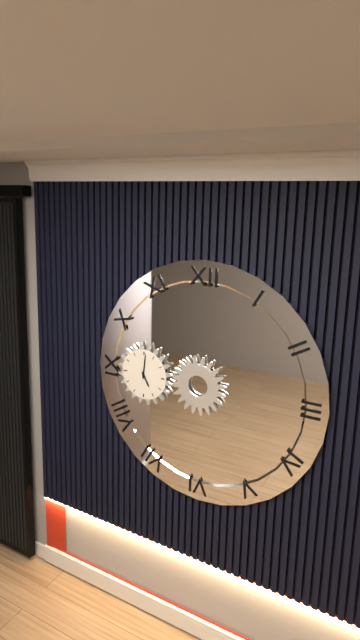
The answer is 5h01
